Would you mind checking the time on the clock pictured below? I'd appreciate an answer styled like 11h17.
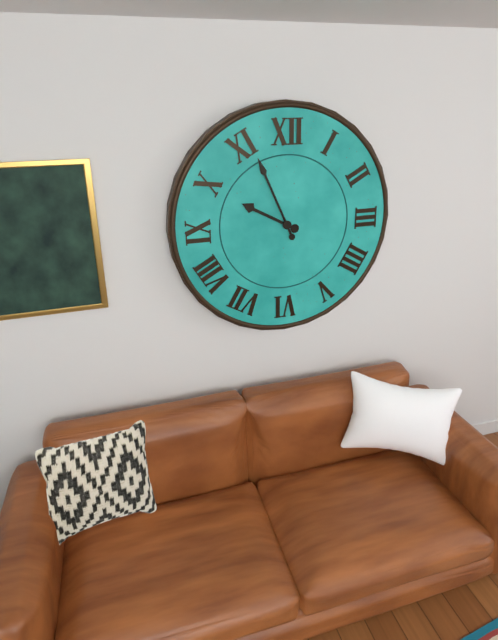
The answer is 9h56
